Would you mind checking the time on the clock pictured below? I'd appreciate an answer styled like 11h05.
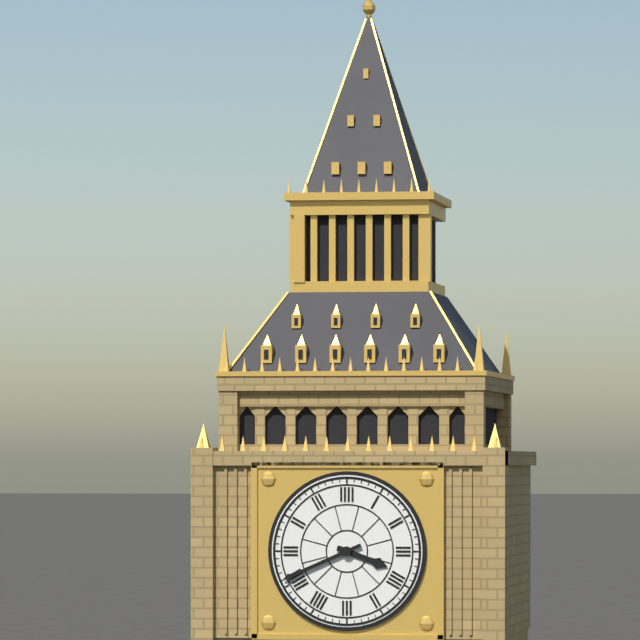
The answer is 3h41
